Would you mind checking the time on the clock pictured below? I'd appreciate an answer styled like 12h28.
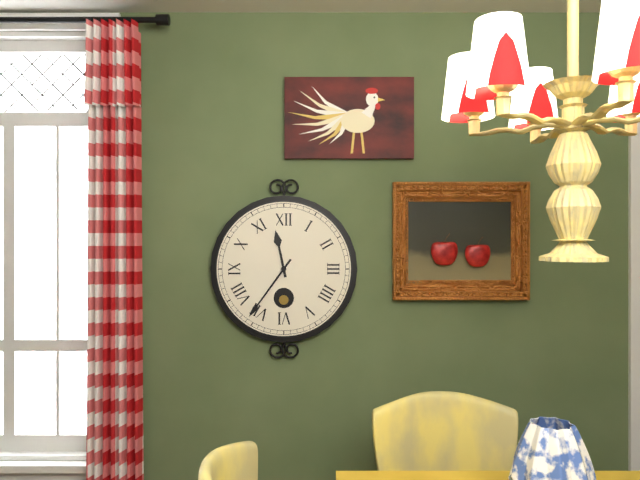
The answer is 11h36
